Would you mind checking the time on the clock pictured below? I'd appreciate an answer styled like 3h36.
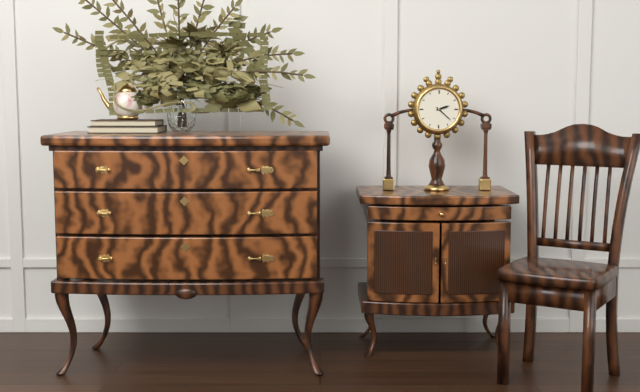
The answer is 2h22
